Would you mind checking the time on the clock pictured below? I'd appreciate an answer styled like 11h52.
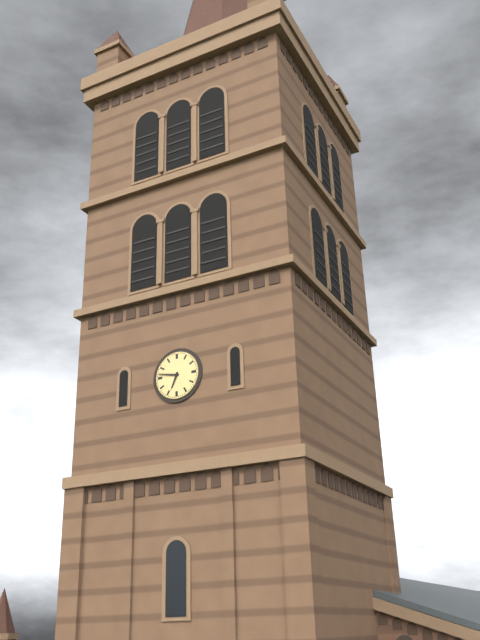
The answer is 6h47
